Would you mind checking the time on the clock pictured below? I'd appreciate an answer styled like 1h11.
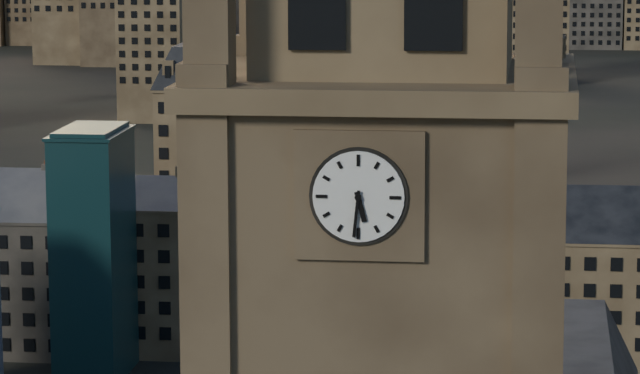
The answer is 5h31
